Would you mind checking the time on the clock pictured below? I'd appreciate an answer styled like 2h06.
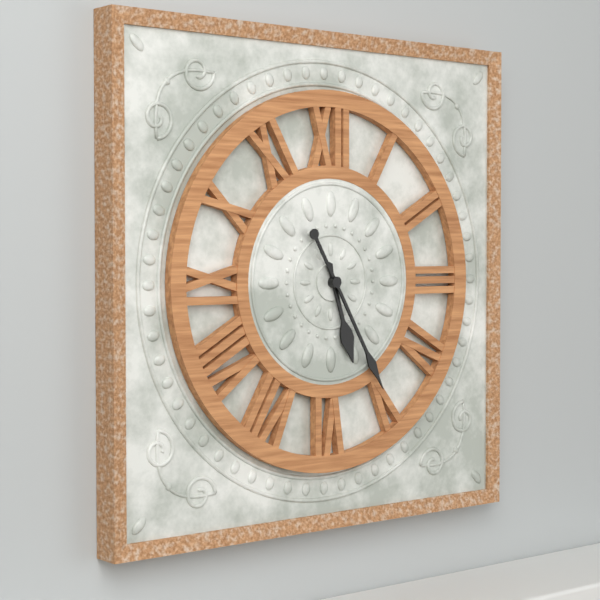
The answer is 5h25
